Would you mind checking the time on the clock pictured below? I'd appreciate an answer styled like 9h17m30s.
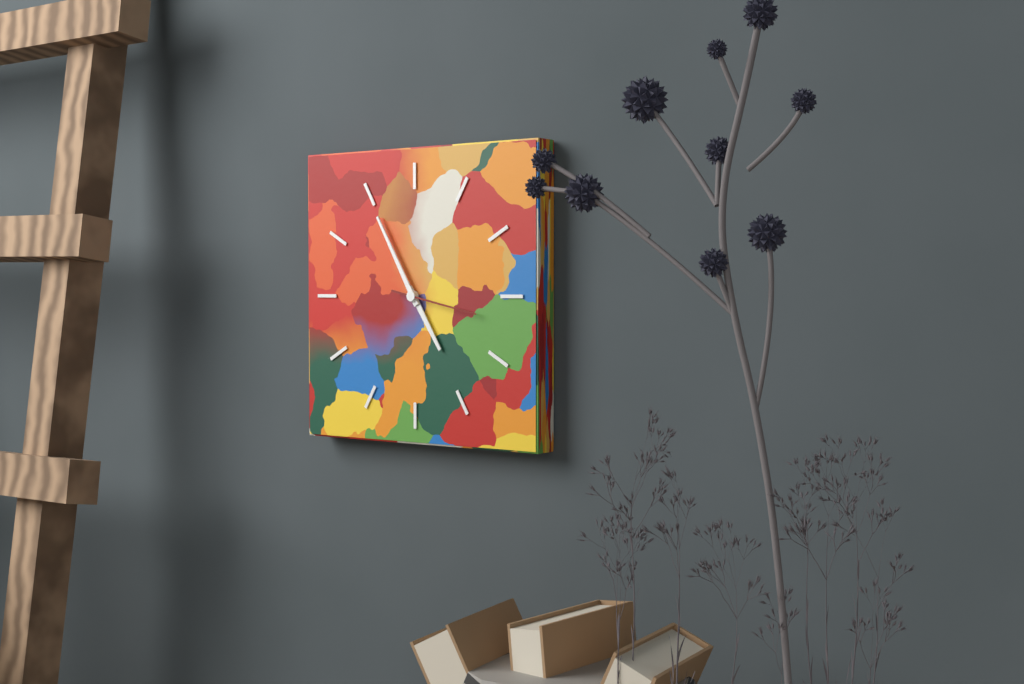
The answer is 4h55m17s
